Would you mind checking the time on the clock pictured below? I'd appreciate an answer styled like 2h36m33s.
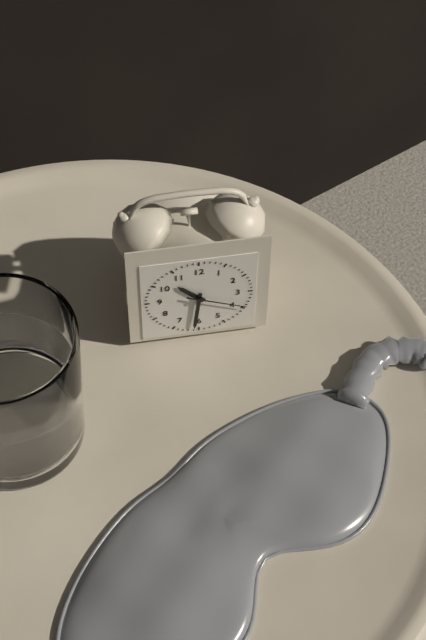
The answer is 10h31m19s
